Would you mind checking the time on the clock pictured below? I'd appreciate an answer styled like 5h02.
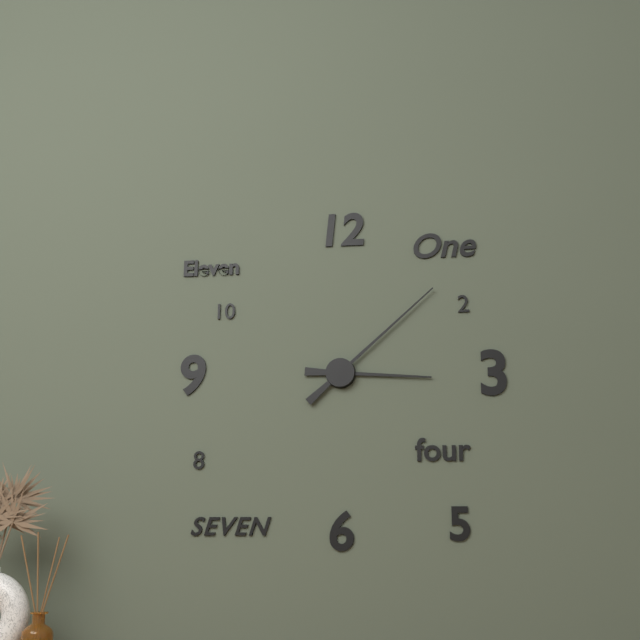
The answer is 3h08
